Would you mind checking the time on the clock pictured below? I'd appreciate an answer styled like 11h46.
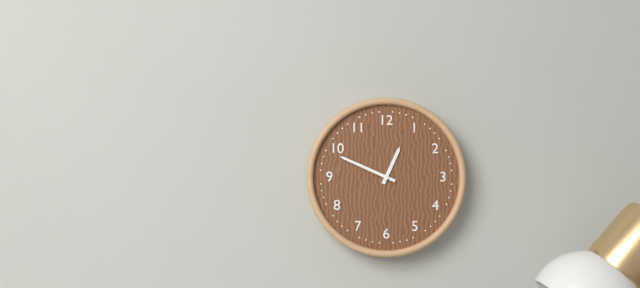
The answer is 12h49
